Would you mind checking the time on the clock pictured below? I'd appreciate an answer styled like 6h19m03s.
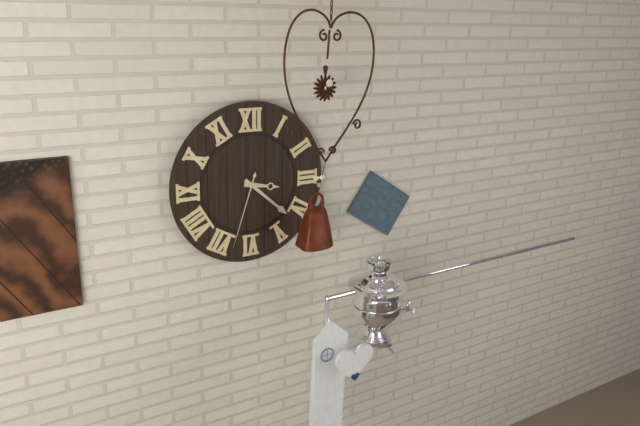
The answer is 3h22m33s
